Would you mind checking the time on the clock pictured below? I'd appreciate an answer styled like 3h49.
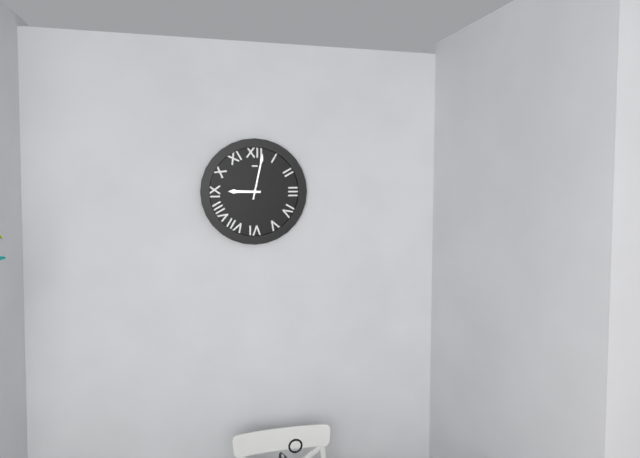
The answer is 9h02
